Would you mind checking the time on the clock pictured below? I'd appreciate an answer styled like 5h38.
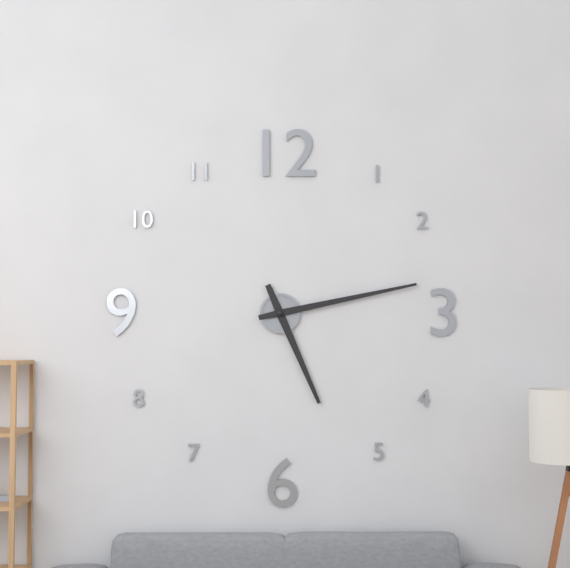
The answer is 5h13
